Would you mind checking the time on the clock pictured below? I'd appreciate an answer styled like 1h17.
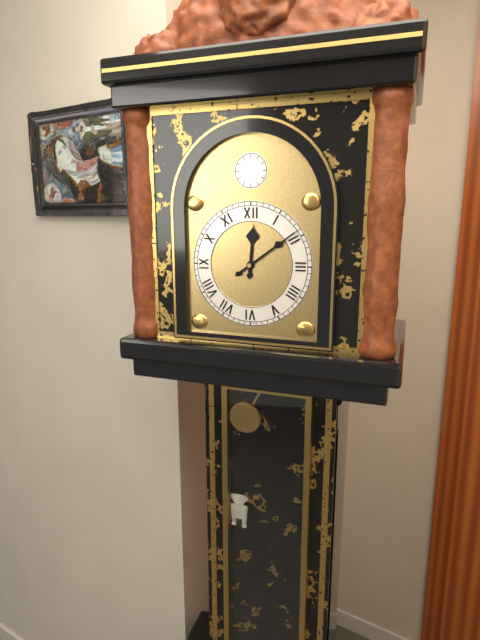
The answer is 12h09
